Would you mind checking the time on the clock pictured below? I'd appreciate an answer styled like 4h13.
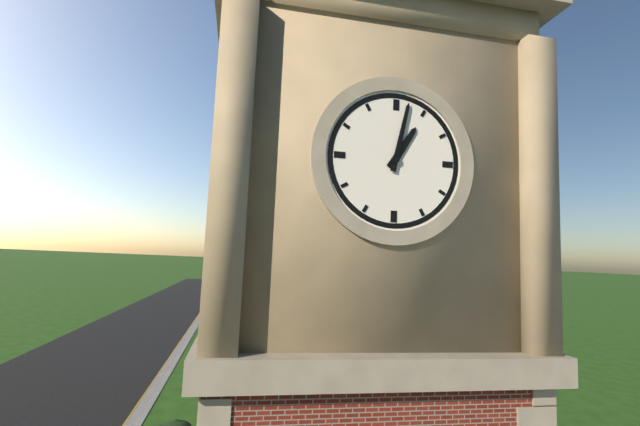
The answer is 1h02
